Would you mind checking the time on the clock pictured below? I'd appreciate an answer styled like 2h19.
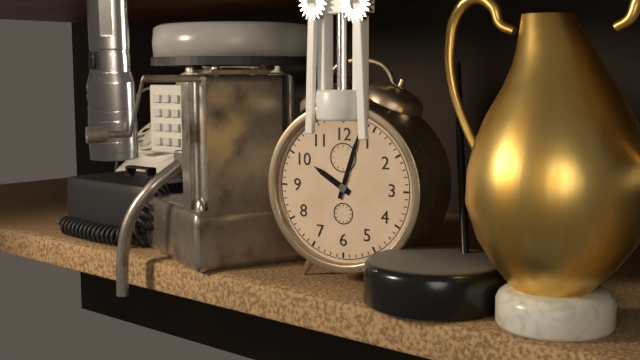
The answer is 10h03
